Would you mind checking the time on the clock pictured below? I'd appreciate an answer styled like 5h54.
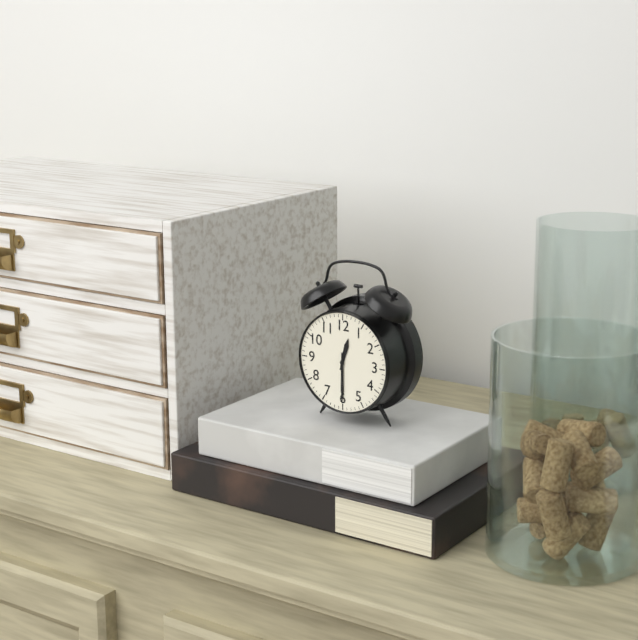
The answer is 12h30
